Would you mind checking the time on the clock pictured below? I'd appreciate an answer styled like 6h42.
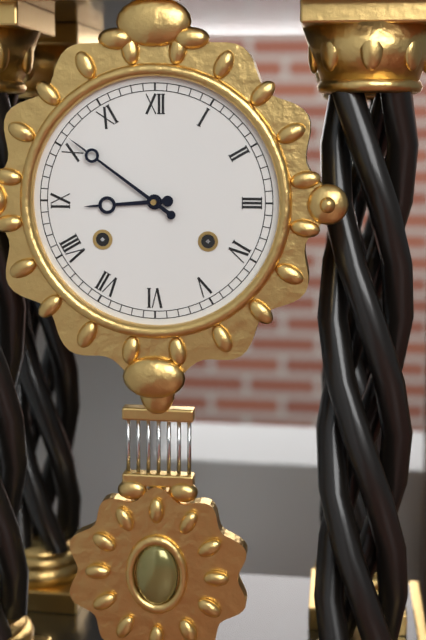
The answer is 8h51
